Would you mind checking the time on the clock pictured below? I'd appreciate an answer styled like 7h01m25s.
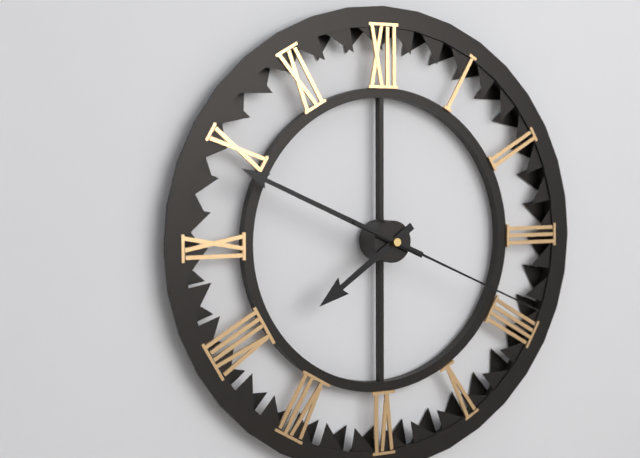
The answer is 7h49m19s
